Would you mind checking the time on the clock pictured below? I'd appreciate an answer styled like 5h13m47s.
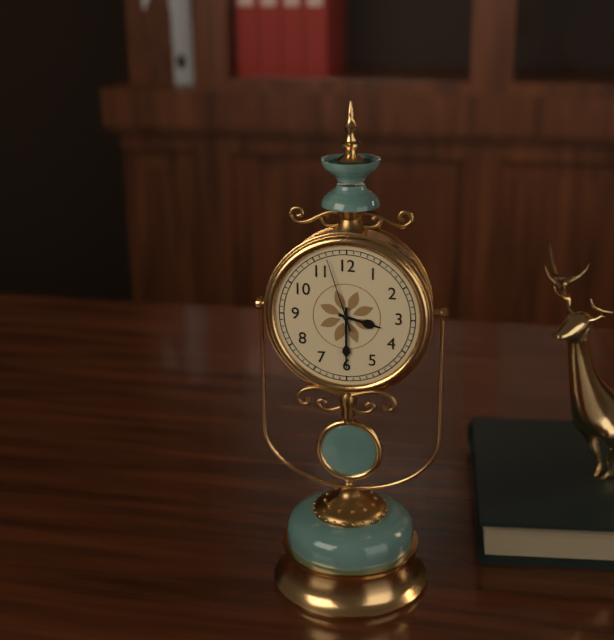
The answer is 3h30m57s
